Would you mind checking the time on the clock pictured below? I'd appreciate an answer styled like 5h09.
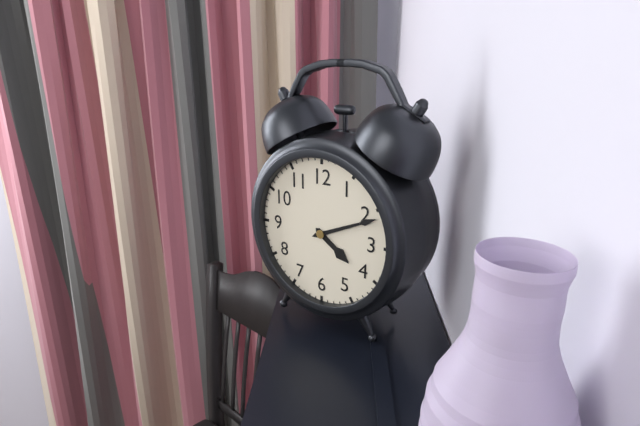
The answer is 4h11
